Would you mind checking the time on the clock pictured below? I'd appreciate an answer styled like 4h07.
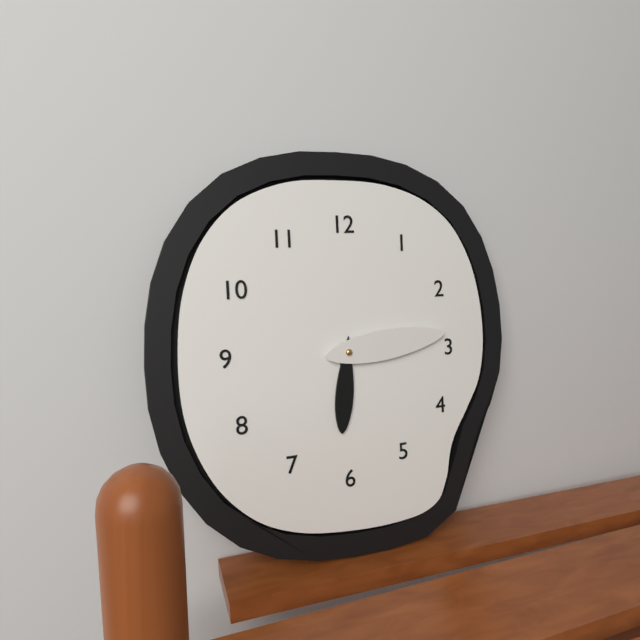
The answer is 6h14
